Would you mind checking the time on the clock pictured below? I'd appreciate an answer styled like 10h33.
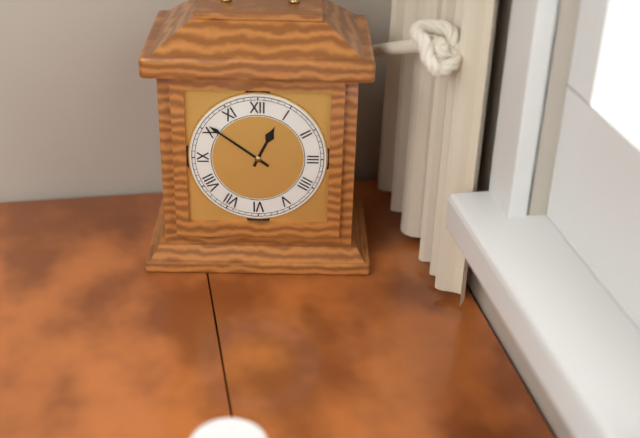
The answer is 12h51
